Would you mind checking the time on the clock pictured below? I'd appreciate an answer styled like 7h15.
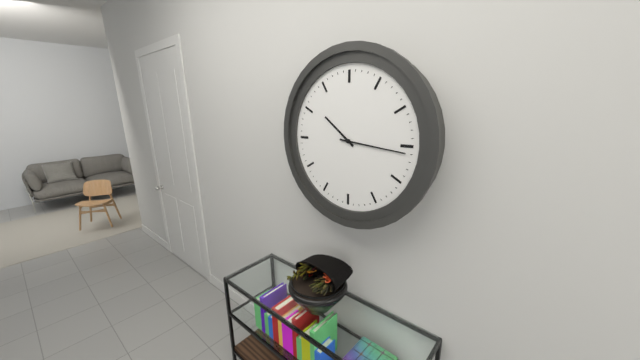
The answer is 10h16
